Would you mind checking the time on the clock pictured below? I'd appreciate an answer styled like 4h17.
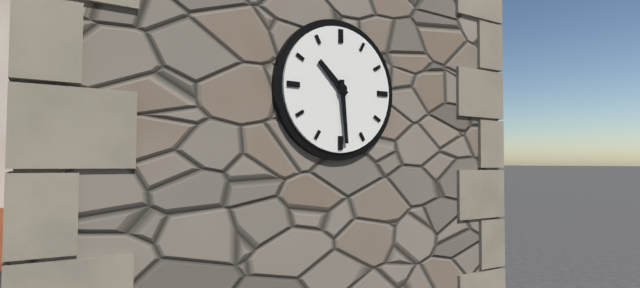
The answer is 10h29
